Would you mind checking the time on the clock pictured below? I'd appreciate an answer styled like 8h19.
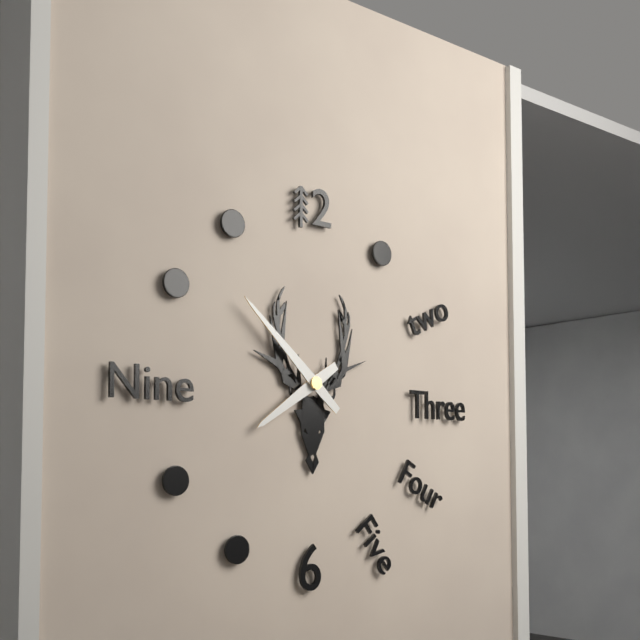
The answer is 7h52
